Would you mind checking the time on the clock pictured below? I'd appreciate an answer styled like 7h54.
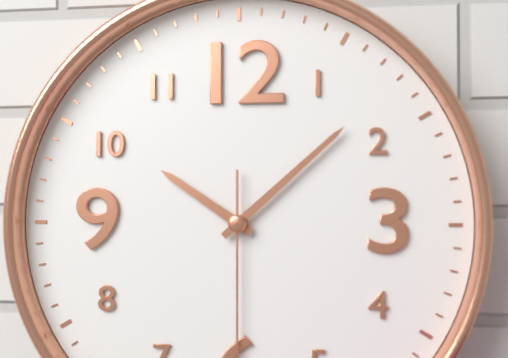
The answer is 10h08
